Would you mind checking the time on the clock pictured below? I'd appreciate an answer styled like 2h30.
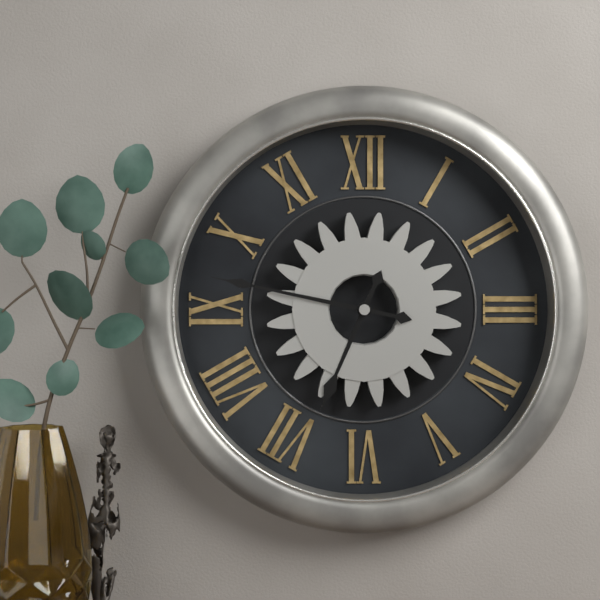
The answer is 6h47
